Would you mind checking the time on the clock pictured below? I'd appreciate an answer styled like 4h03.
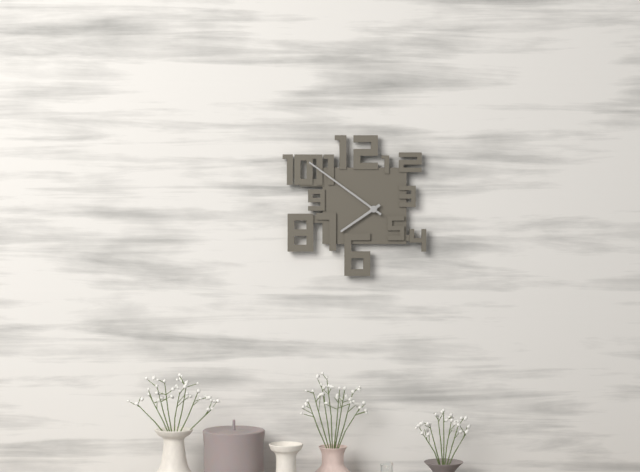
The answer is 7h51
